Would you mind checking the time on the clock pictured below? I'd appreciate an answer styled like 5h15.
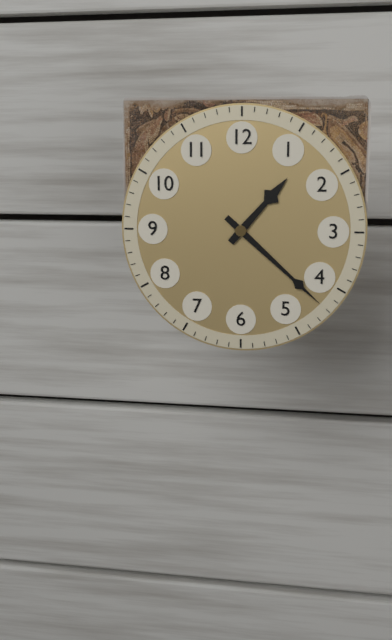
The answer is 1h22
